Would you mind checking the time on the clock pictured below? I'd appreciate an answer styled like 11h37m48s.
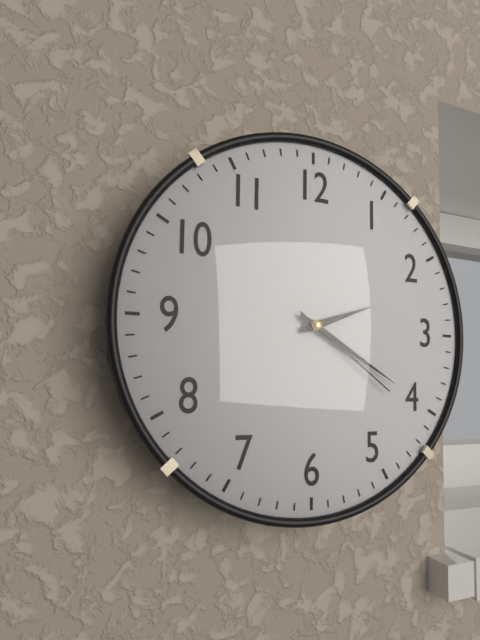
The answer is 2h20m21s
